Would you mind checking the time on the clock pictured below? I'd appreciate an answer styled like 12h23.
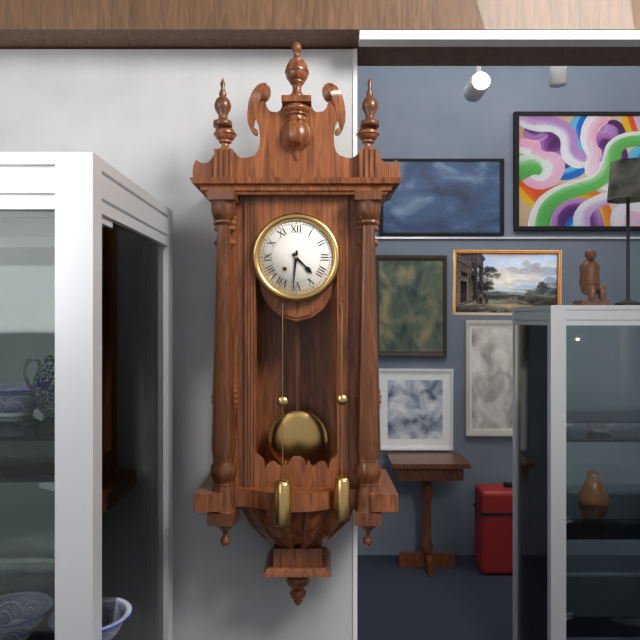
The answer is 4h31
